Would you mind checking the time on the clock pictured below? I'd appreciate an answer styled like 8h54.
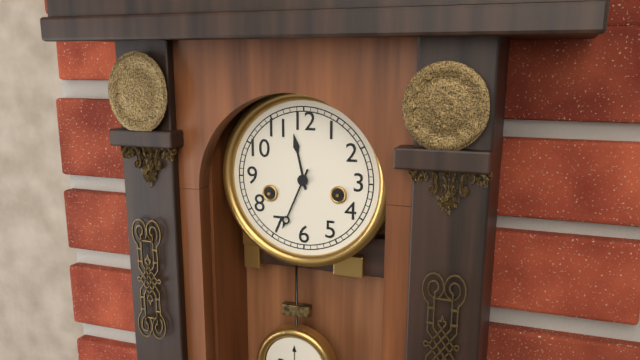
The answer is 11h34
